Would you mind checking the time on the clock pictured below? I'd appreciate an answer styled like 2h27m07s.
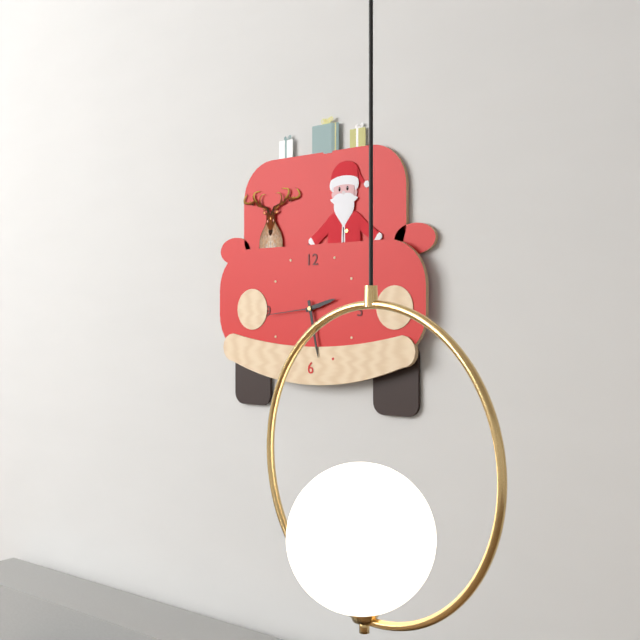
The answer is 2h28m44s
